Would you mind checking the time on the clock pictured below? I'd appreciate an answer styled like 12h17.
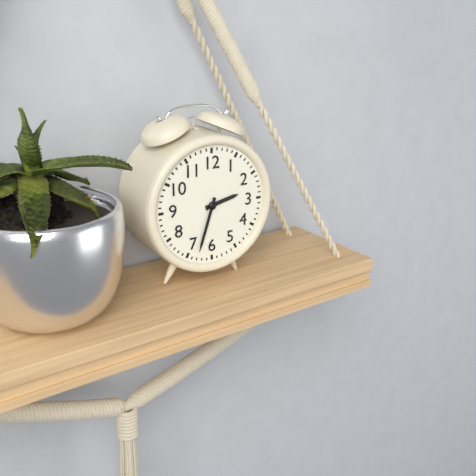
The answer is 2h33
